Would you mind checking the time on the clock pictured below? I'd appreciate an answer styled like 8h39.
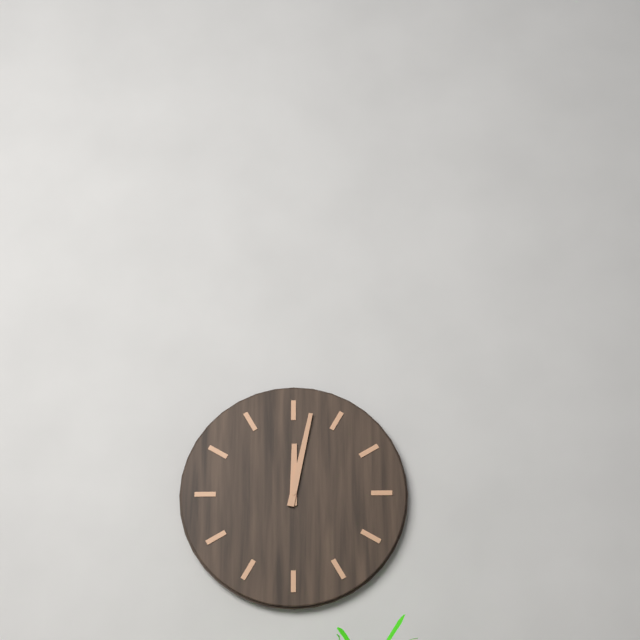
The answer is 12h02
